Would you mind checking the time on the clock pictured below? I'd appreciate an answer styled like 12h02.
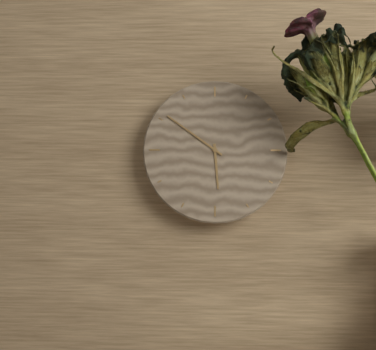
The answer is 5h51
